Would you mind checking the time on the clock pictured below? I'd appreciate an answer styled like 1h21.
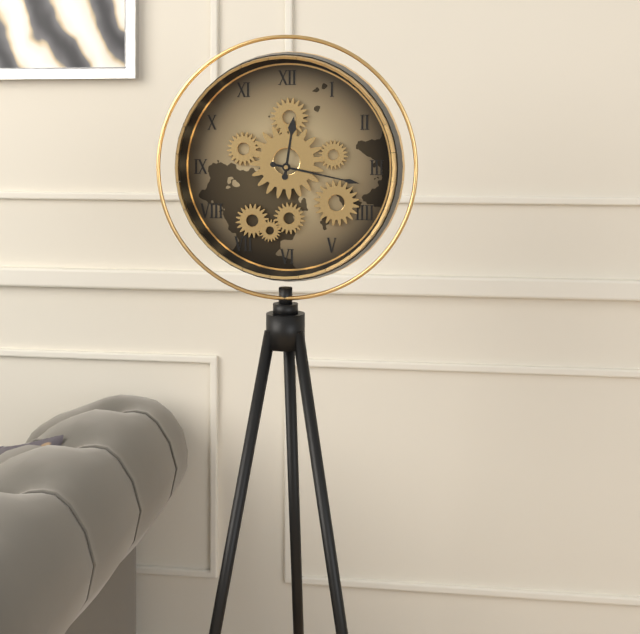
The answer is 12h17
